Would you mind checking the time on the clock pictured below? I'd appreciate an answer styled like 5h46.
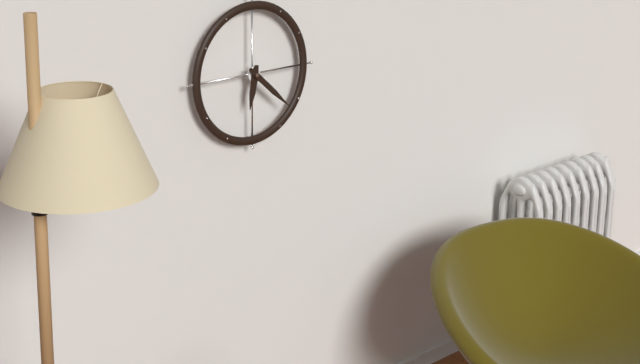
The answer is 6h22
